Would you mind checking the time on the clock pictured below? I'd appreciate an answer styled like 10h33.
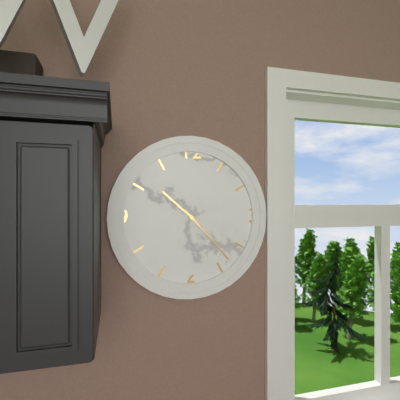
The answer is 10h23
